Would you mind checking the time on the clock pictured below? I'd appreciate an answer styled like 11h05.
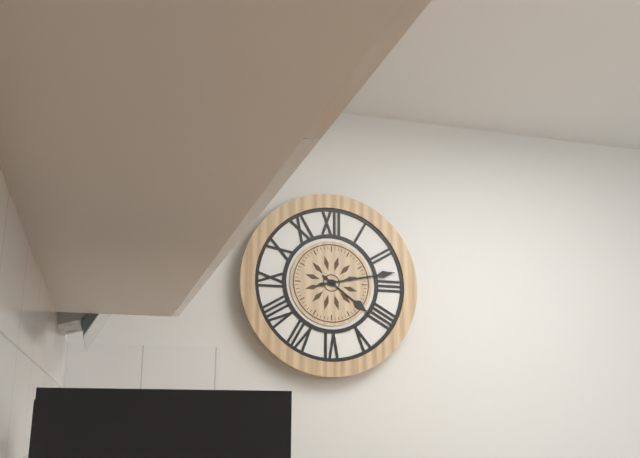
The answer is 4h13
